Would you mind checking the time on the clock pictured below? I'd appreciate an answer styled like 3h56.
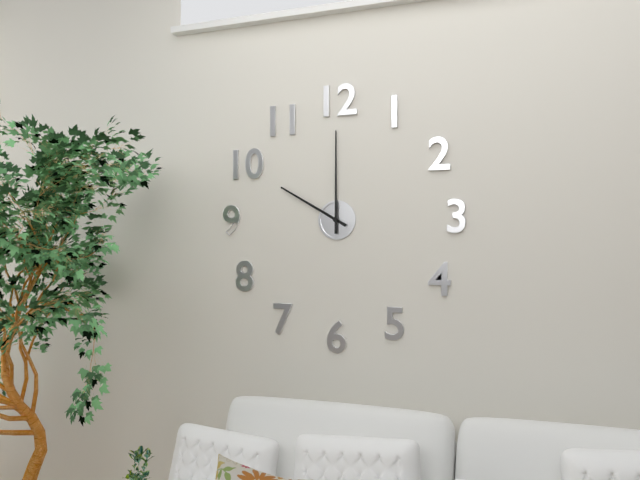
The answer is 10h00
